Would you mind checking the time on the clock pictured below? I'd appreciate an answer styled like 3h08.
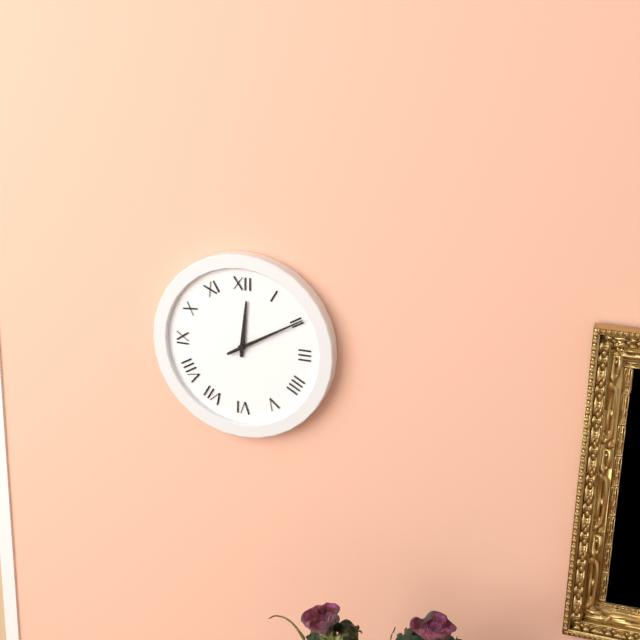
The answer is 12h10
